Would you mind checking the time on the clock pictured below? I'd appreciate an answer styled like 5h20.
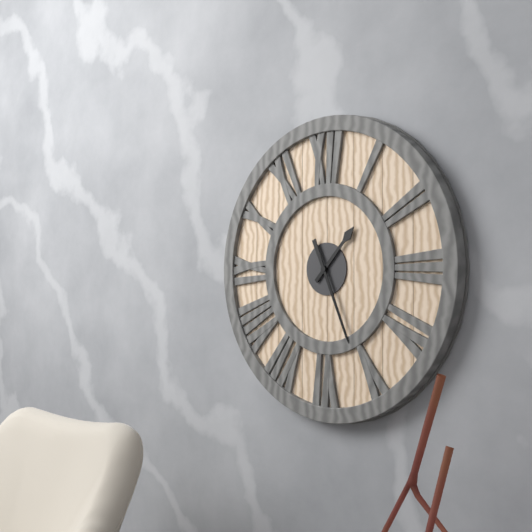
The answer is 1h26
